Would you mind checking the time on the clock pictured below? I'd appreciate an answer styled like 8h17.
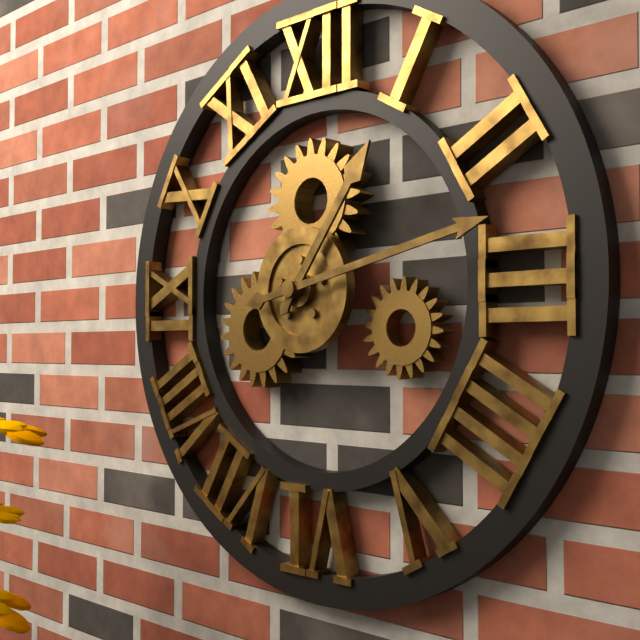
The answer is 1h13
